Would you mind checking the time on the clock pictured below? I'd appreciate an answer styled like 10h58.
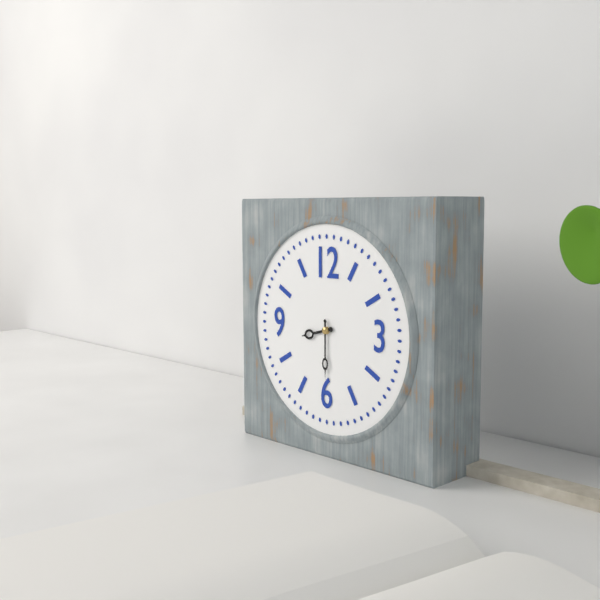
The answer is 8h30
